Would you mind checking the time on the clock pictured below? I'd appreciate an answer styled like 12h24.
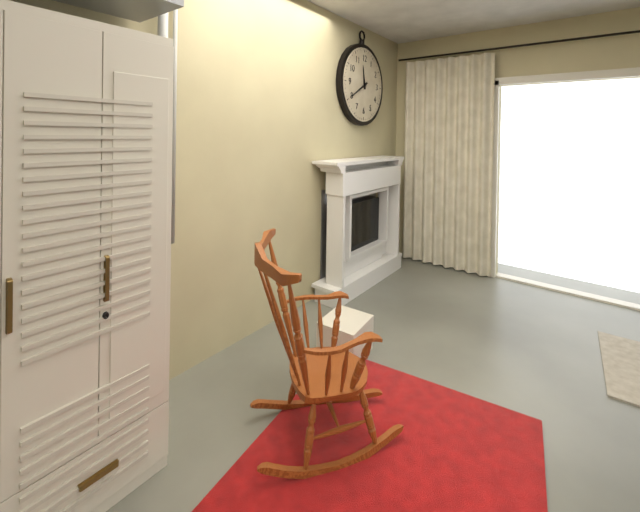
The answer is 11h40
